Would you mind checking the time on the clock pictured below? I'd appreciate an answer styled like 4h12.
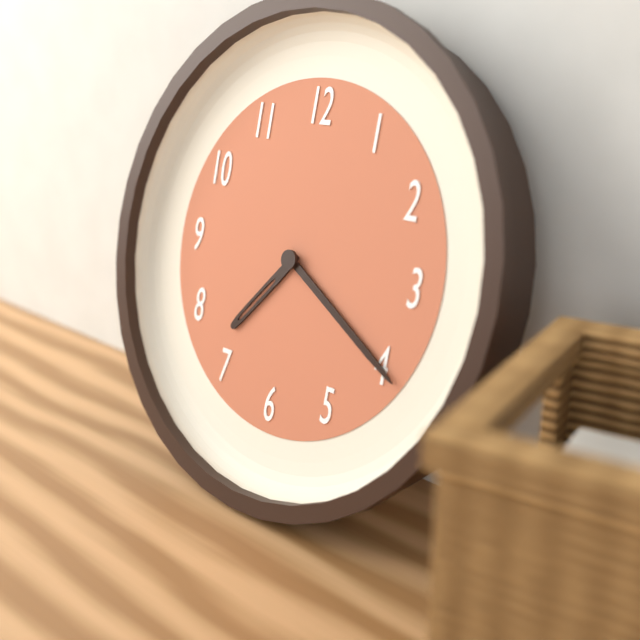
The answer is 7h20
